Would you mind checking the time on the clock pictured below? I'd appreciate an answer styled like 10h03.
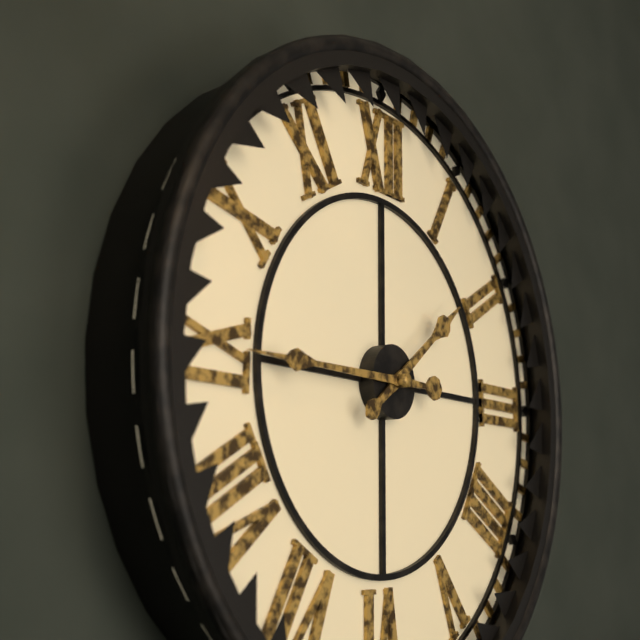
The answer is 1h45
